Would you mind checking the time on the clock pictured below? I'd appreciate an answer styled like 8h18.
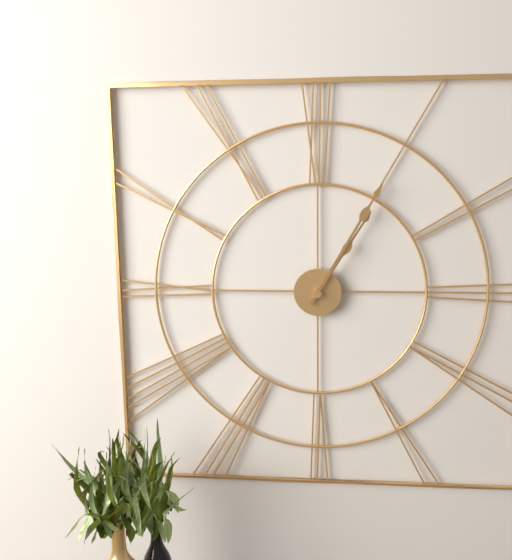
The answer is 1h05
